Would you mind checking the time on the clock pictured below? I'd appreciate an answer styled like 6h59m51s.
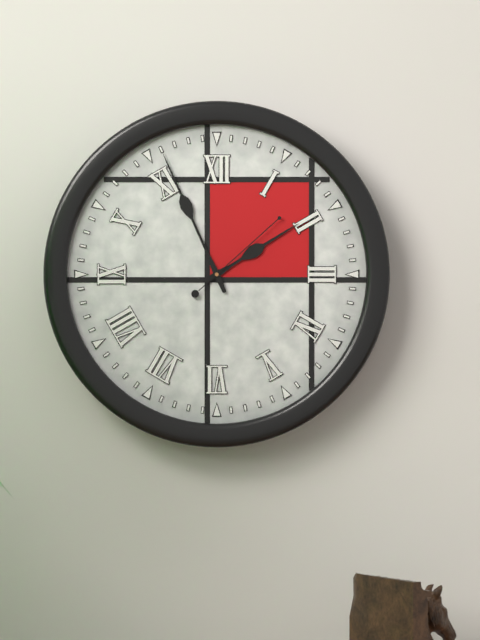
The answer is 1h56m08s
